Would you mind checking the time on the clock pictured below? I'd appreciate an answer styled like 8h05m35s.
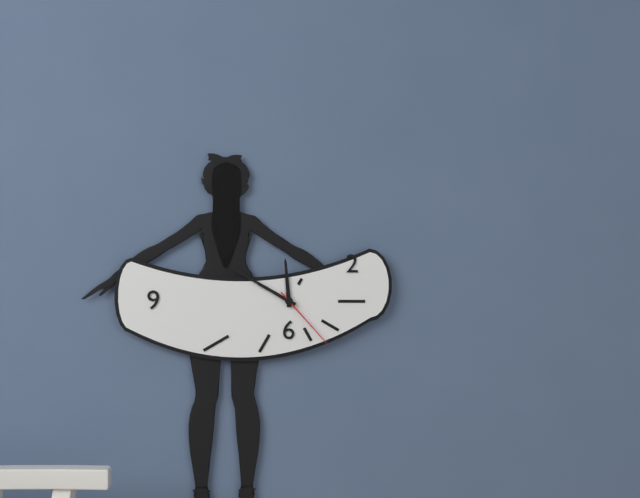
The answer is 11h50m23s
